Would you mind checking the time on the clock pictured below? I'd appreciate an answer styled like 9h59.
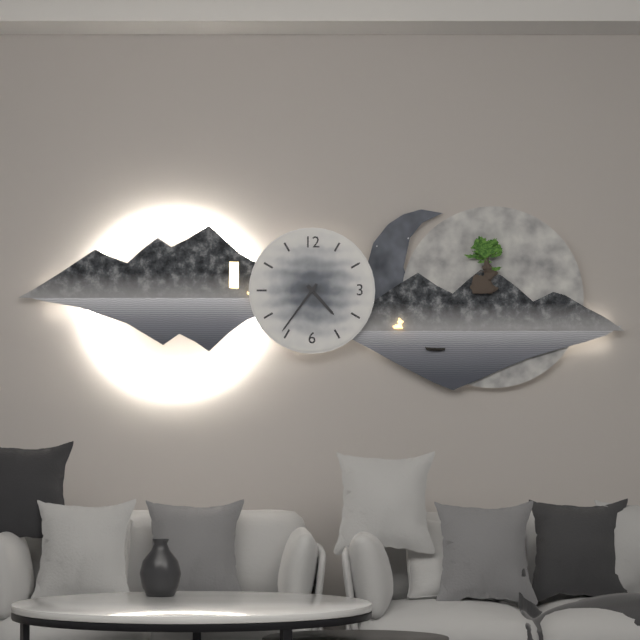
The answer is 4h36
